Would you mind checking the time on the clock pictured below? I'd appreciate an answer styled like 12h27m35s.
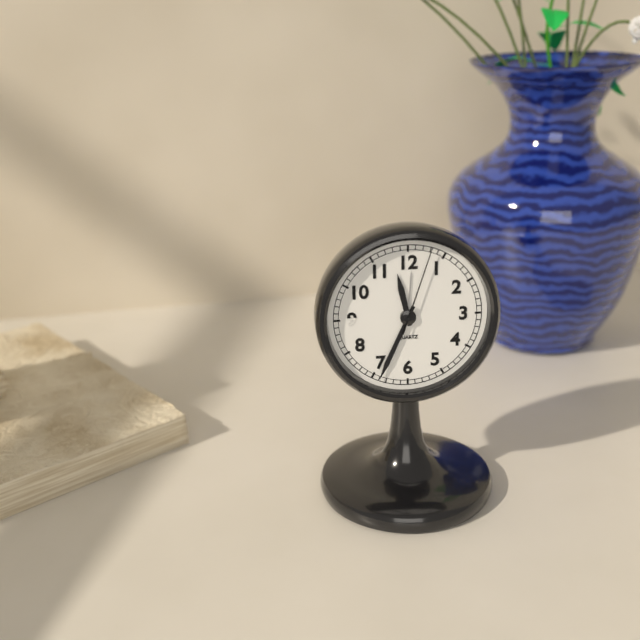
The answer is 11h34m03s
